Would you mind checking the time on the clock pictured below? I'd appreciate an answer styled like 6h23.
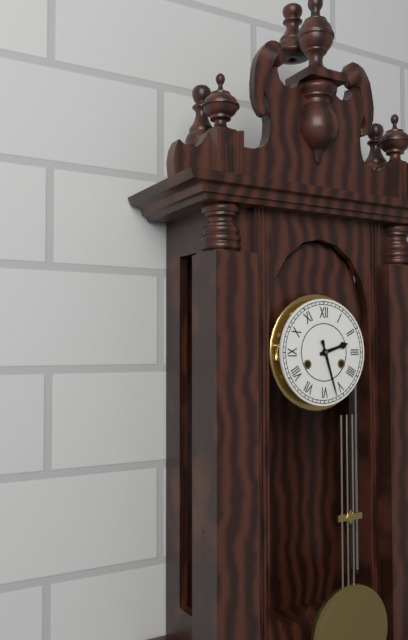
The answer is 2h27
